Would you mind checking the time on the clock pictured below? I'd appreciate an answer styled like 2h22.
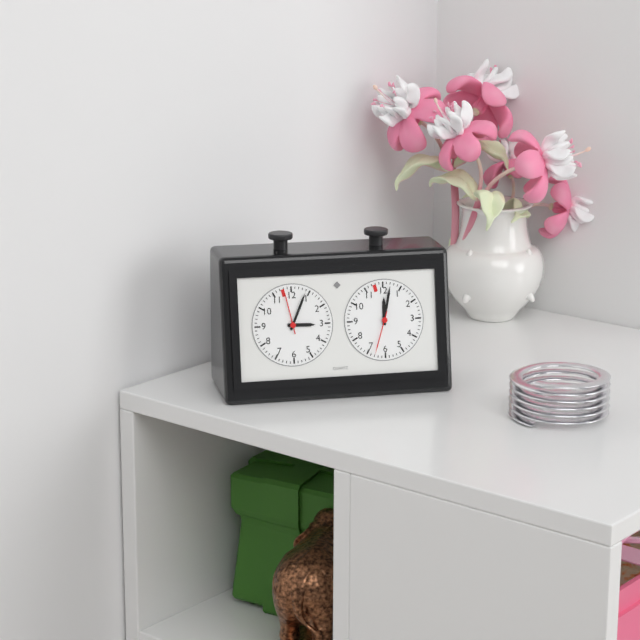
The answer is 3h04
